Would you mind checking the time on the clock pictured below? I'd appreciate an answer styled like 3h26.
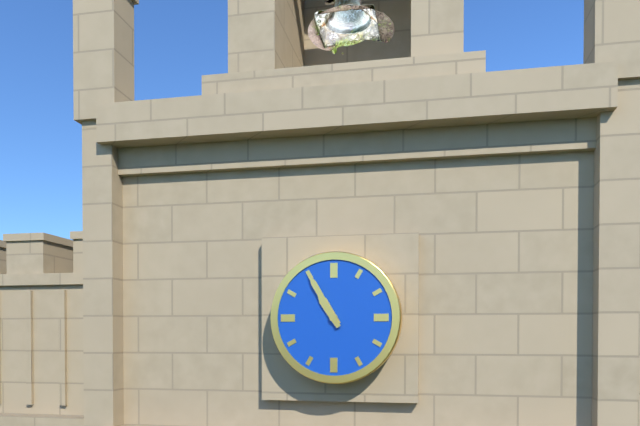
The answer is 10h55
